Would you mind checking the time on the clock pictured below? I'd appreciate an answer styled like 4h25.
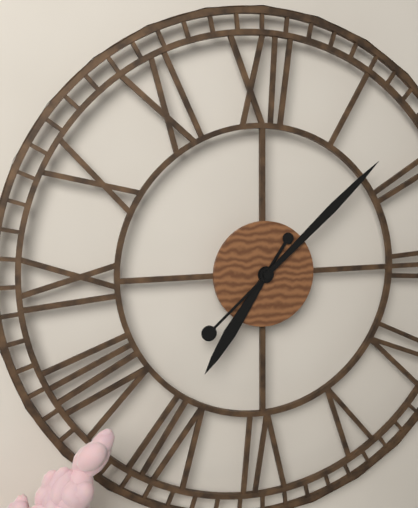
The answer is 7h08
